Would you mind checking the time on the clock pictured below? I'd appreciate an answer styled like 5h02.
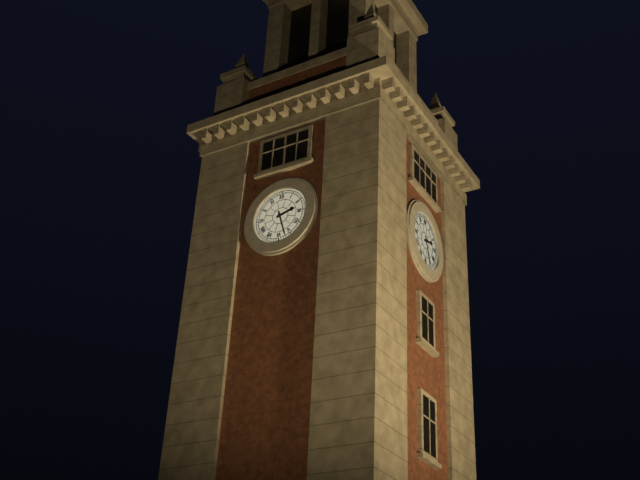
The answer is 2h27
